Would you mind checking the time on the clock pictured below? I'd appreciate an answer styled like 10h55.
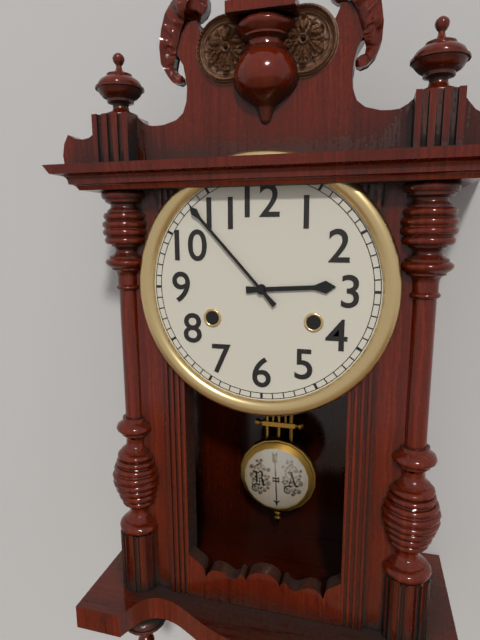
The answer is 2h53
